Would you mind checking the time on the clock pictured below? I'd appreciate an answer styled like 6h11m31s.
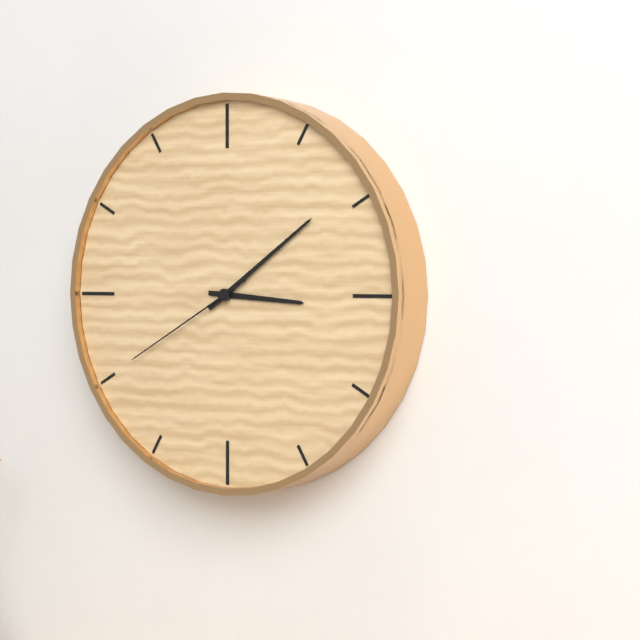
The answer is 3h09m40s
